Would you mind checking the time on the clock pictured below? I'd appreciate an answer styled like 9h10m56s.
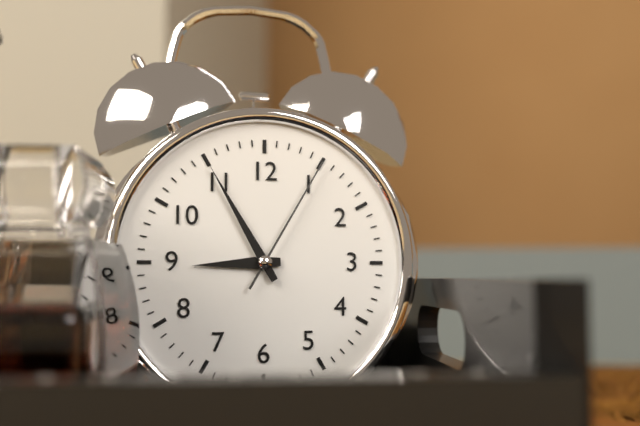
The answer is 8h55m05s
